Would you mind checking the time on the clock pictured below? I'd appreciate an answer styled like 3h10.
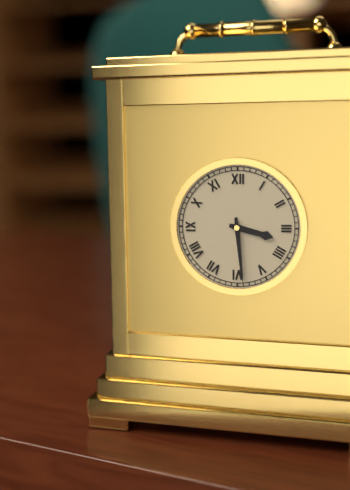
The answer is 3h29
